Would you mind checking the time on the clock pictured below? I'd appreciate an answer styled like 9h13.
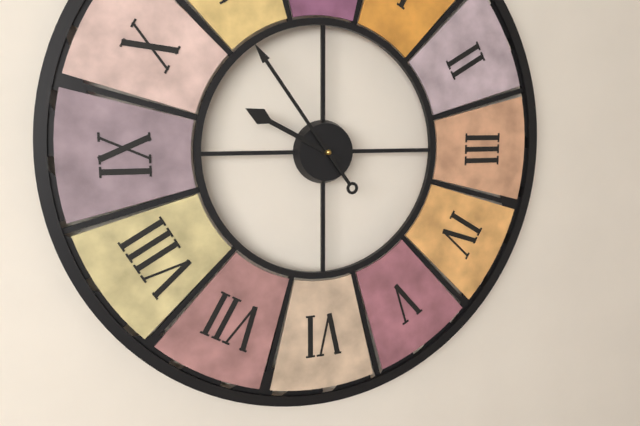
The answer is 9h54
